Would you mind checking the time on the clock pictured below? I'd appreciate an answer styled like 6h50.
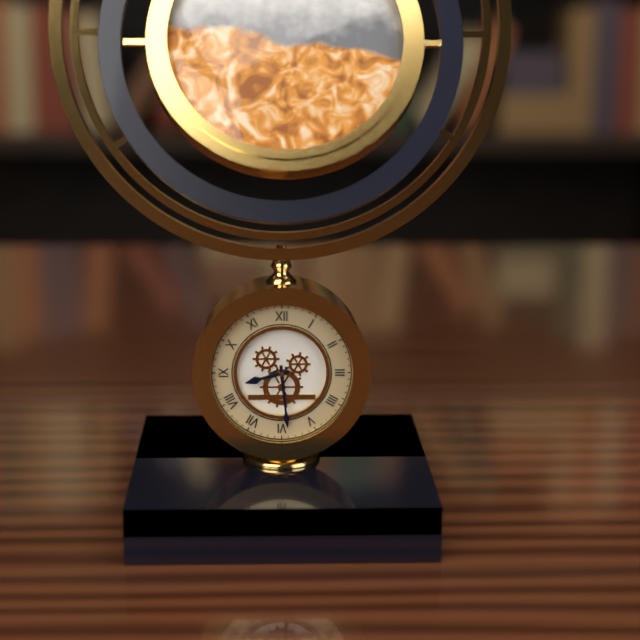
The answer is 8h29
